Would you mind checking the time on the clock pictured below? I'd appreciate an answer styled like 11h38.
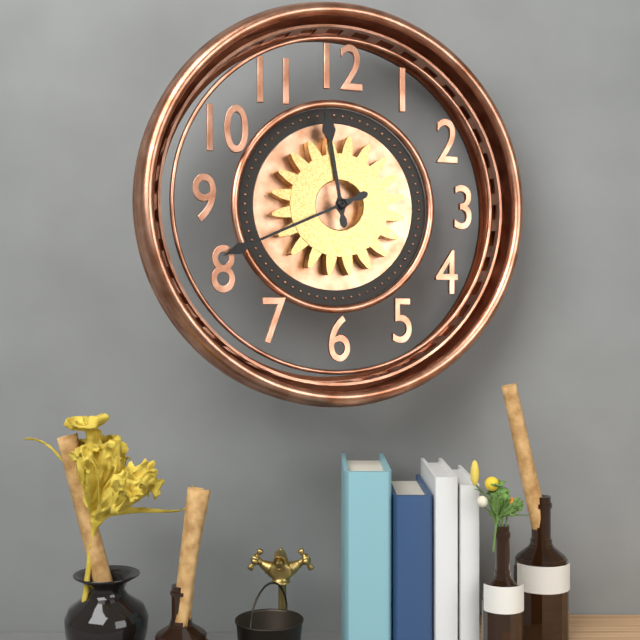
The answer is 11h41
